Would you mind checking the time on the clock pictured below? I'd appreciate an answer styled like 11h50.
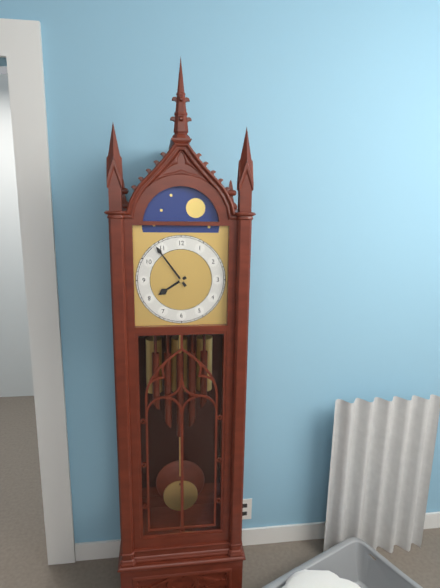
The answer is 7h54
